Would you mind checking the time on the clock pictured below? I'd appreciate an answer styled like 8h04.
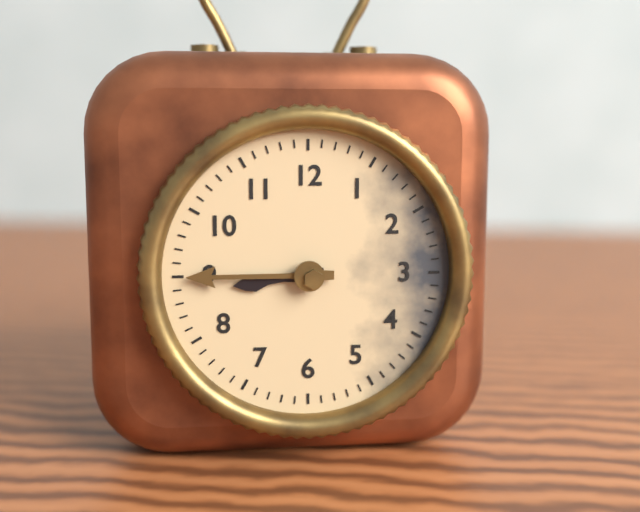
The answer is 8h45
